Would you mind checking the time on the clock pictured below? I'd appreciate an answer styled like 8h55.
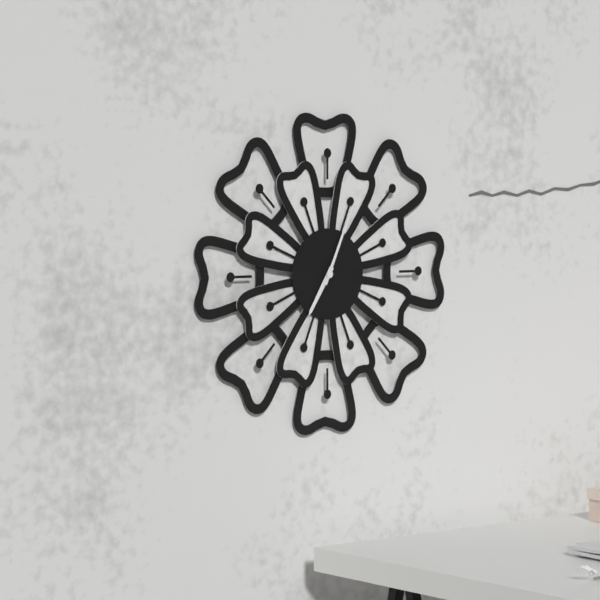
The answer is 7h04
